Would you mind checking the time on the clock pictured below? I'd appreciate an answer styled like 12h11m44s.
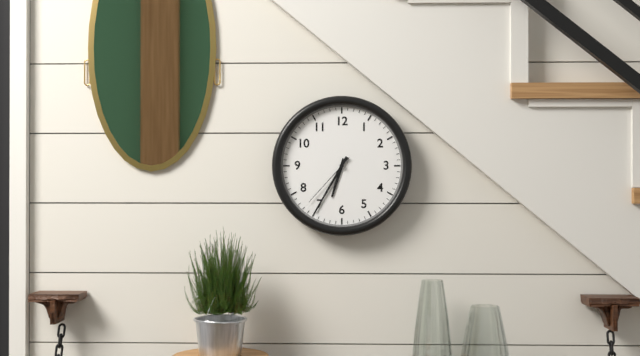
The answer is 6h35m37s
